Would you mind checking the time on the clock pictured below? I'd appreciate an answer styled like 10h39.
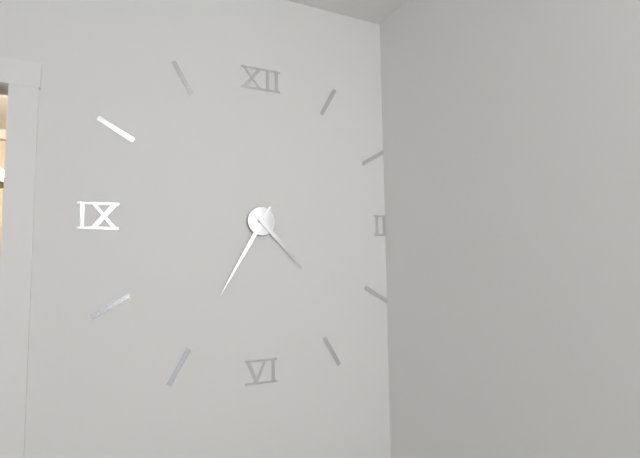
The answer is 4h35
